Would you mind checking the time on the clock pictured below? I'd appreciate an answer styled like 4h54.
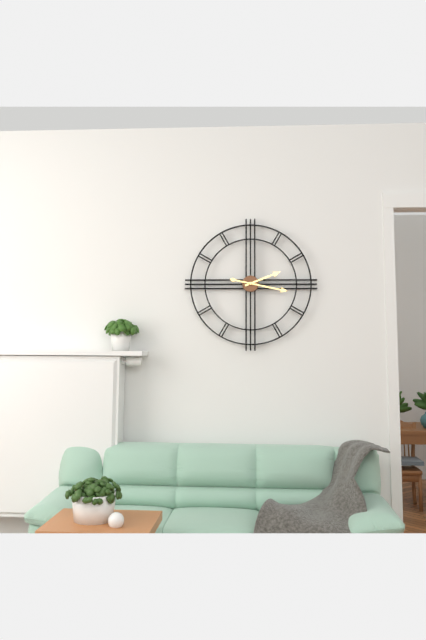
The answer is 2h17
